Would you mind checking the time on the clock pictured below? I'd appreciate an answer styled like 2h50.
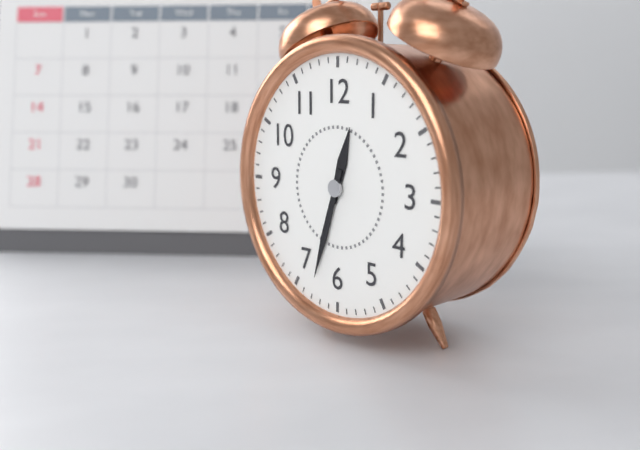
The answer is 12h33
